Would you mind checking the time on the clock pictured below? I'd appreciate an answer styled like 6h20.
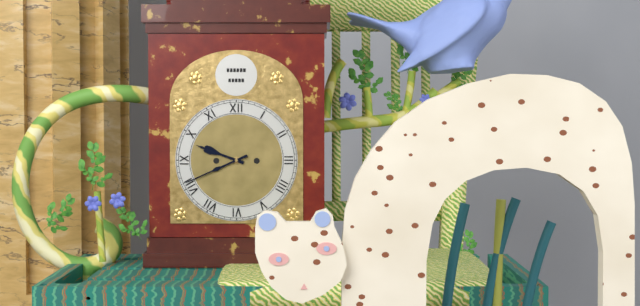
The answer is 9h41
